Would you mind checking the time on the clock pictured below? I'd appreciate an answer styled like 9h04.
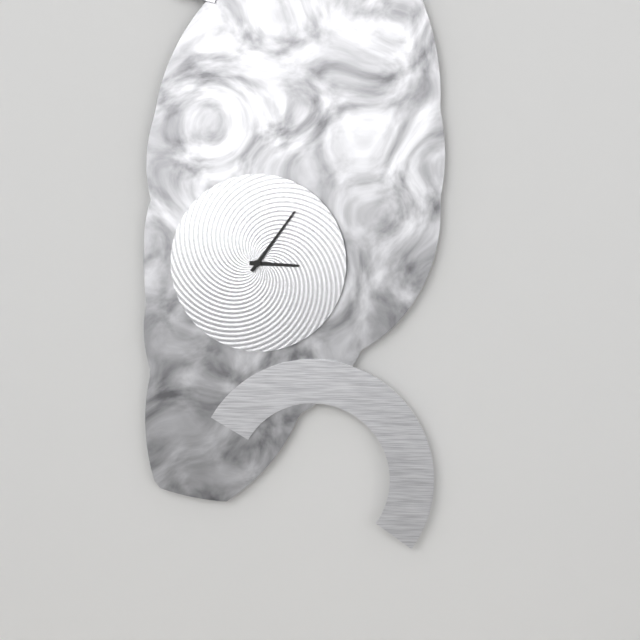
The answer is 3h06
